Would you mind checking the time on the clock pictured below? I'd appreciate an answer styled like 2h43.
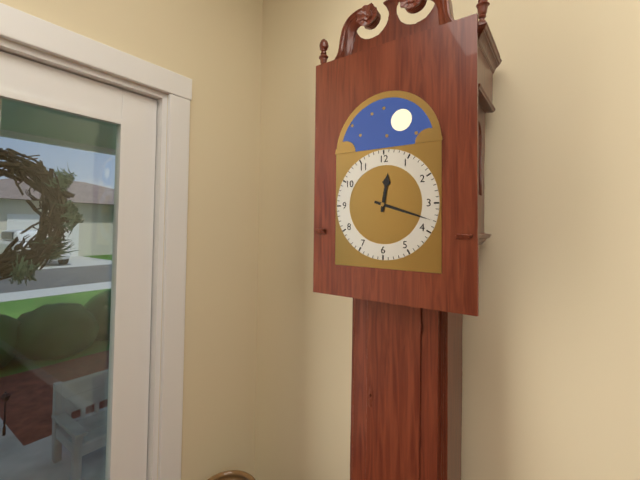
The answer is 12h18
